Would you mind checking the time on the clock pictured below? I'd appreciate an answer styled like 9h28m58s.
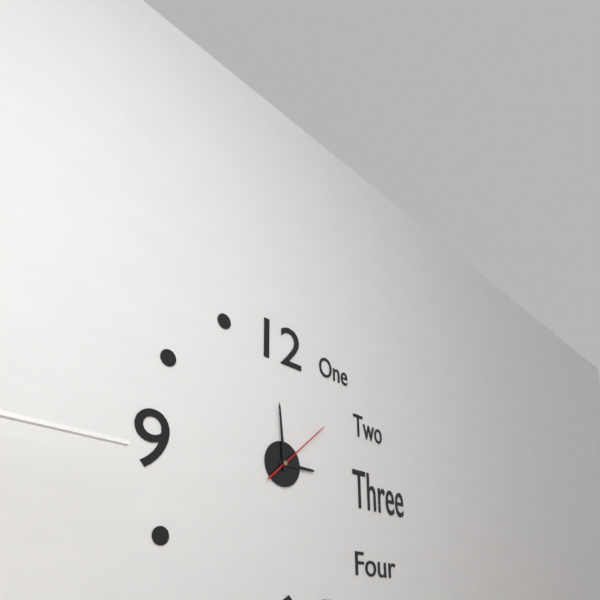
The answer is 2h59m08s
